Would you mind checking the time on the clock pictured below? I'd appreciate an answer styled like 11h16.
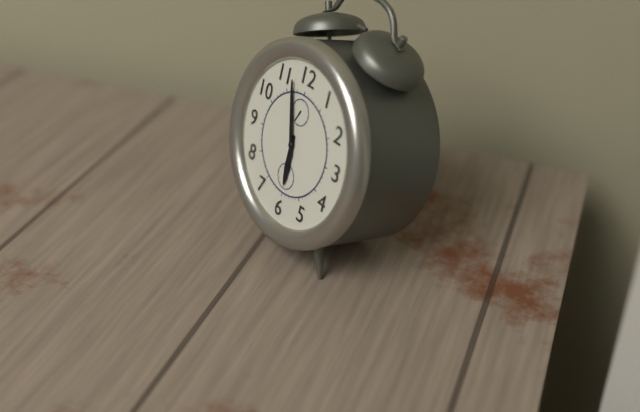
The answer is 5h57
